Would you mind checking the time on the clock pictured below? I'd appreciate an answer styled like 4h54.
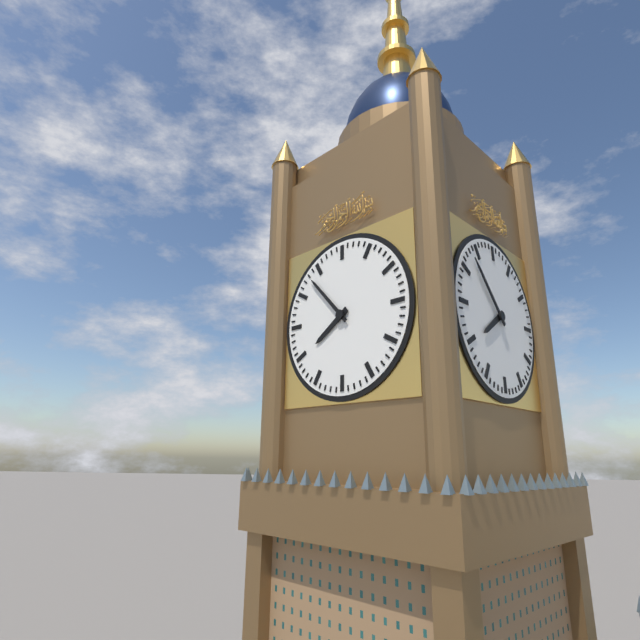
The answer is 7h53
